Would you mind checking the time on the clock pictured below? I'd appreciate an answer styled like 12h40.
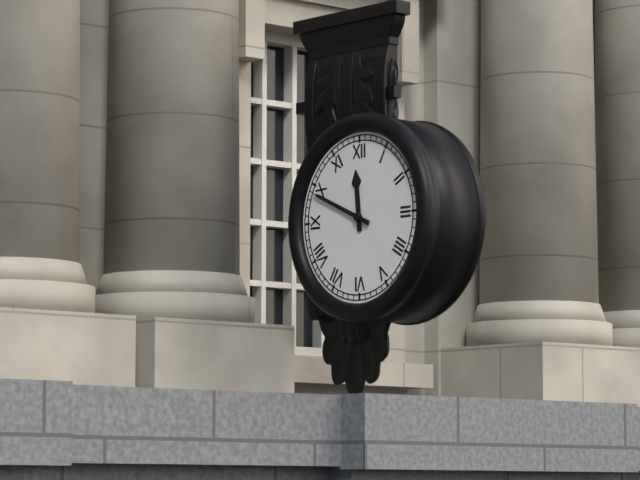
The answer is 11h49
